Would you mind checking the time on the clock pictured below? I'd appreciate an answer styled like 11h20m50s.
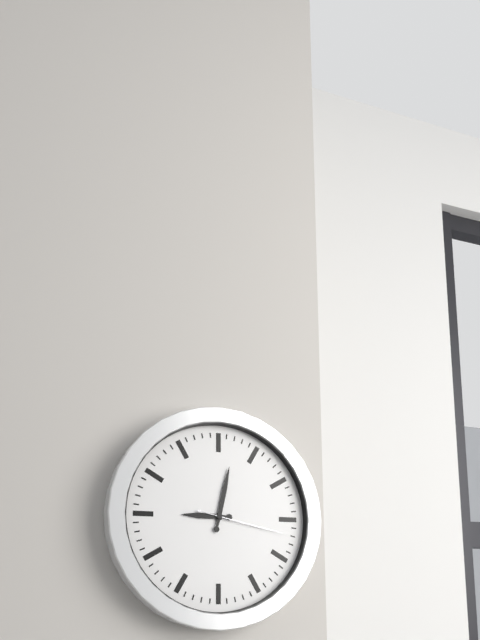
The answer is 9h02m17s
